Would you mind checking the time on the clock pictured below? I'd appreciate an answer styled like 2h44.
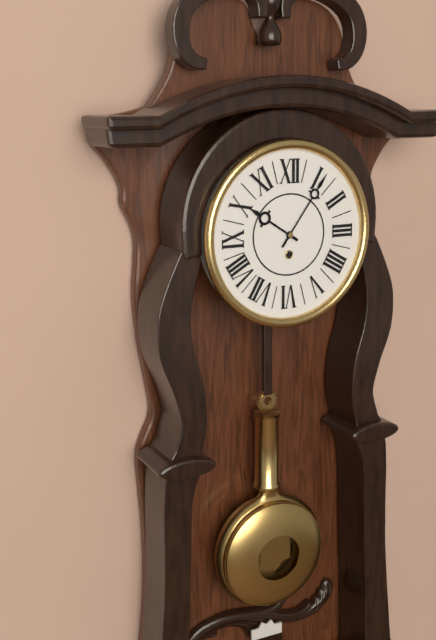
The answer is 10h06
